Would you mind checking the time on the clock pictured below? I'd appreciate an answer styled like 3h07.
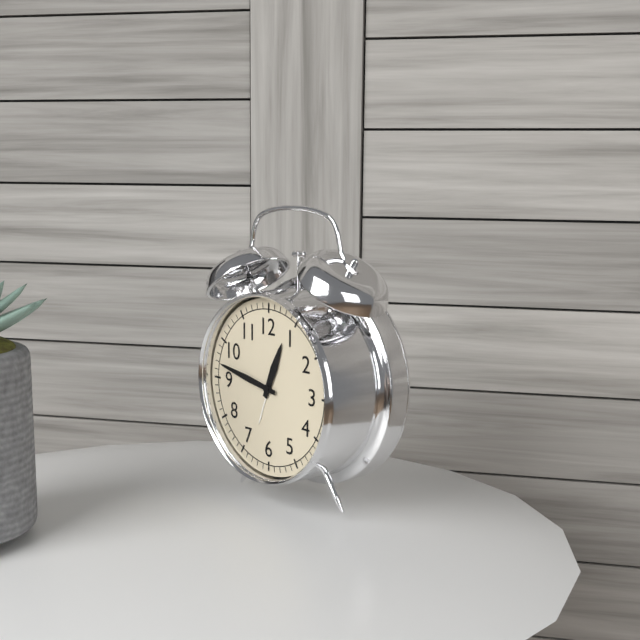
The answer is 12h47
